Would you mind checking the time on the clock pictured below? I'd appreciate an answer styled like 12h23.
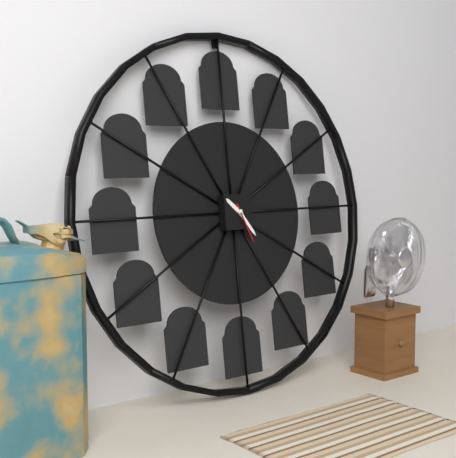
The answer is 10h24
